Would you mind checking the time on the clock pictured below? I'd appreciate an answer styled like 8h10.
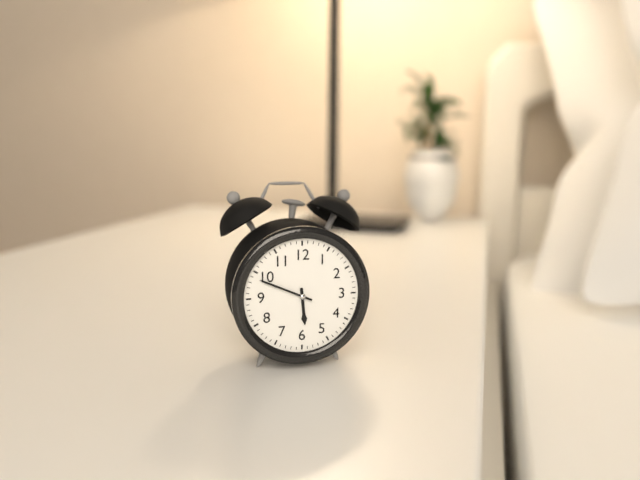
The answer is 5h49
